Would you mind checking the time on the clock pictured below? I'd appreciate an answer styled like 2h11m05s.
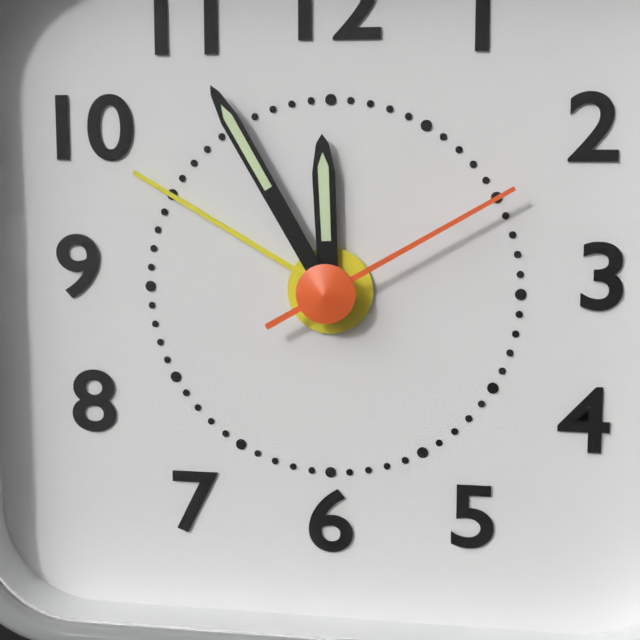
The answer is 11h55m10s
